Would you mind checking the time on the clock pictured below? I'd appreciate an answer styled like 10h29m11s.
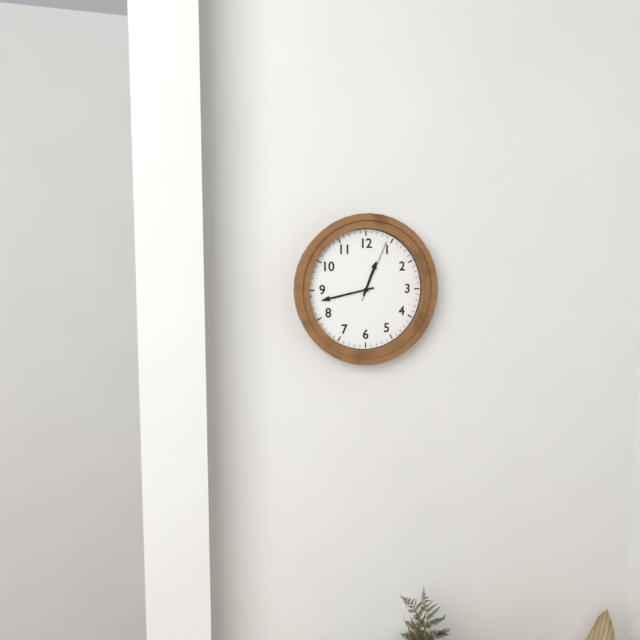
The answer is 12h43m04s
